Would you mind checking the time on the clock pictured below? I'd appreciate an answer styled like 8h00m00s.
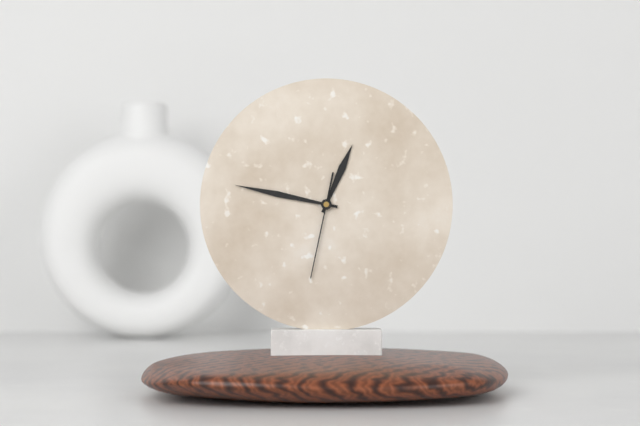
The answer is 12h47m32s
